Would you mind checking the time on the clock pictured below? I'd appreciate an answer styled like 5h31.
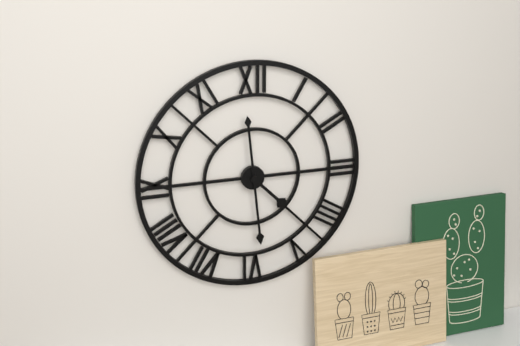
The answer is 4h29
